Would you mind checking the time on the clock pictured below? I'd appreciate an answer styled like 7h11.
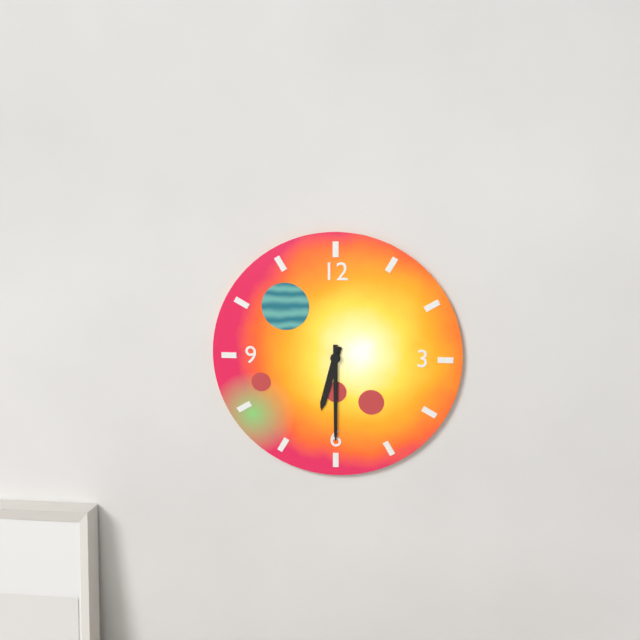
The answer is 6h30
